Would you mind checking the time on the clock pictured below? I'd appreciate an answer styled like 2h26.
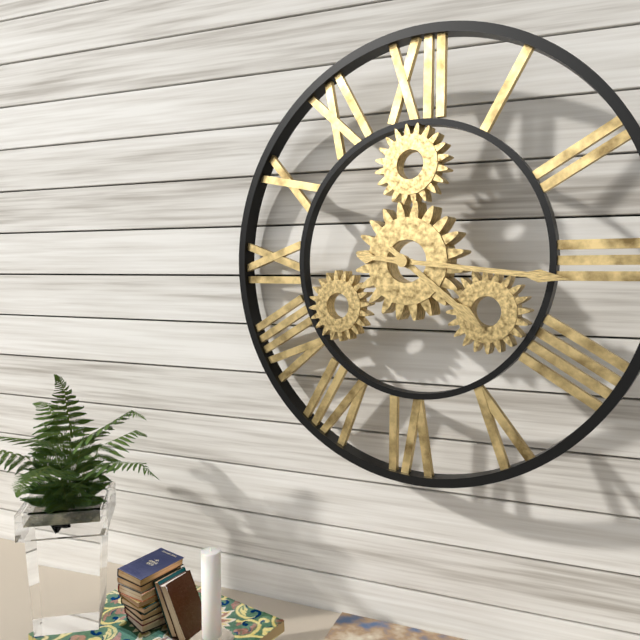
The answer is 4h16
